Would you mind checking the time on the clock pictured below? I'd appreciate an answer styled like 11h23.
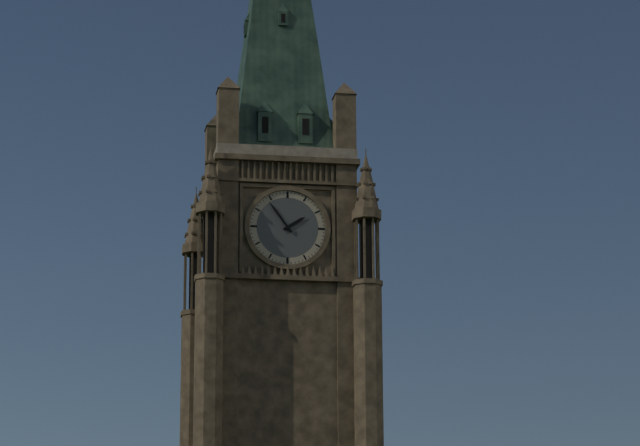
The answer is 1h54
